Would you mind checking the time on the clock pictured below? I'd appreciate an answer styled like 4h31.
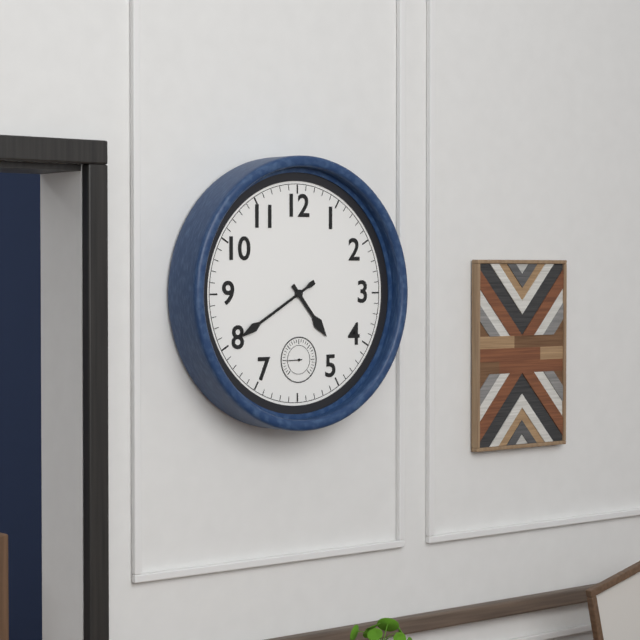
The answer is 4h40
